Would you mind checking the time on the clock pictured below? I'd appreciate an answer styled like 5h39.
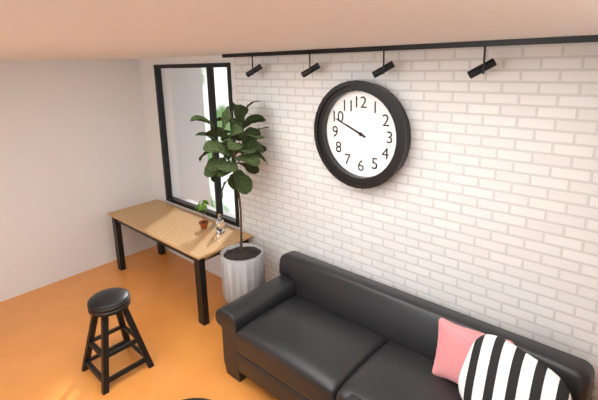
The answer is 9h49
